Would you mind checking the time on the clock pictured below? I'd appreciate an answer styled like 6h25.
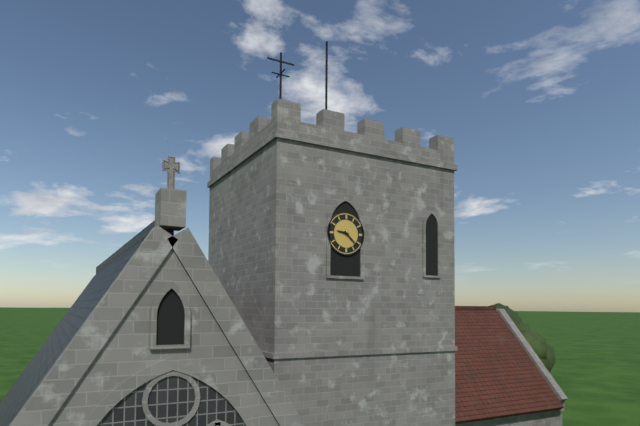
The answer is 9h22
